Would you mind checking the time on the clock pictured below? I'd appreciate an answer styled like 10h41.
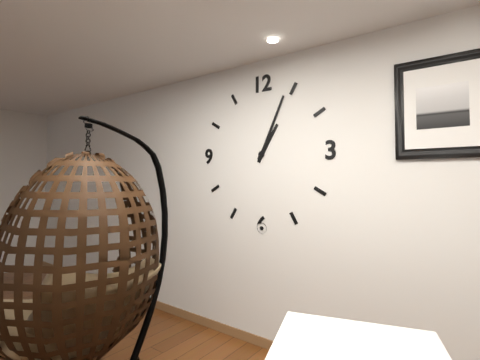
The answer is 1h04
